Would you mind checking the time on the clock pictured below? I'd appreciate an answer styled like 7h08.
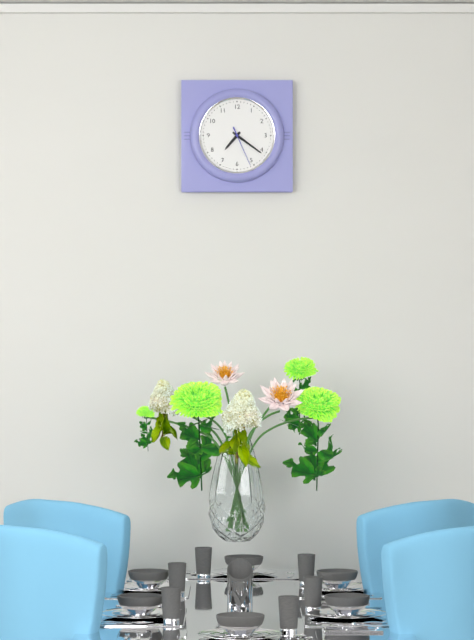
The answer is 7h21
